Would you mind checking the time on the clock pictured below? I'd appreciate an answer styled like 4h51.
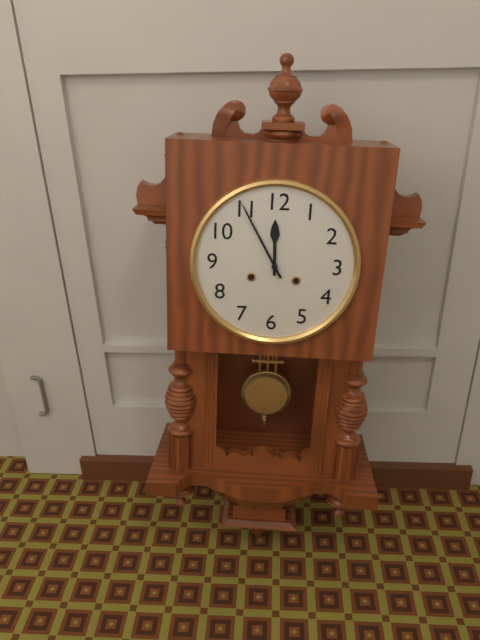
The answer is 11h55
